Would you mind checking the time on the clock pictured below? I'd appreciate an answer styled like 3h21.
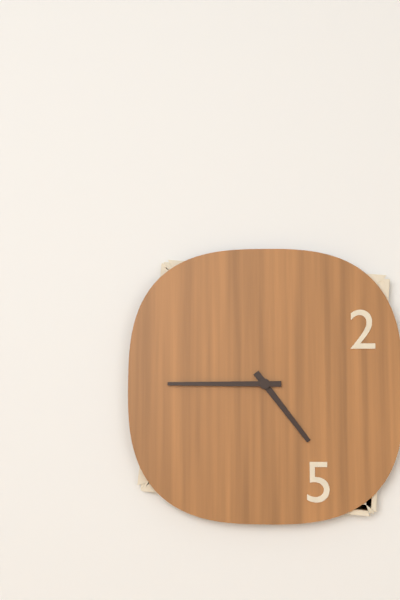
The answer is 4h45
